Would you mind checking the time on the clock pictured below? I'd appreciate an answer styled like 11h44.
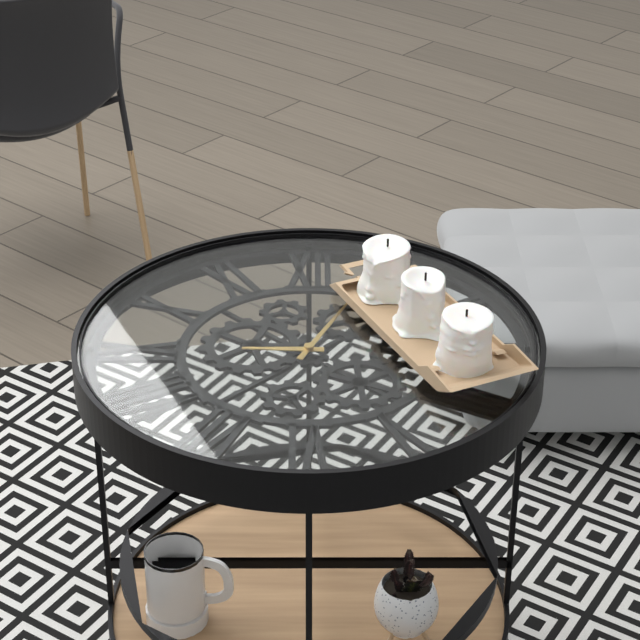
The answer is 9h04
